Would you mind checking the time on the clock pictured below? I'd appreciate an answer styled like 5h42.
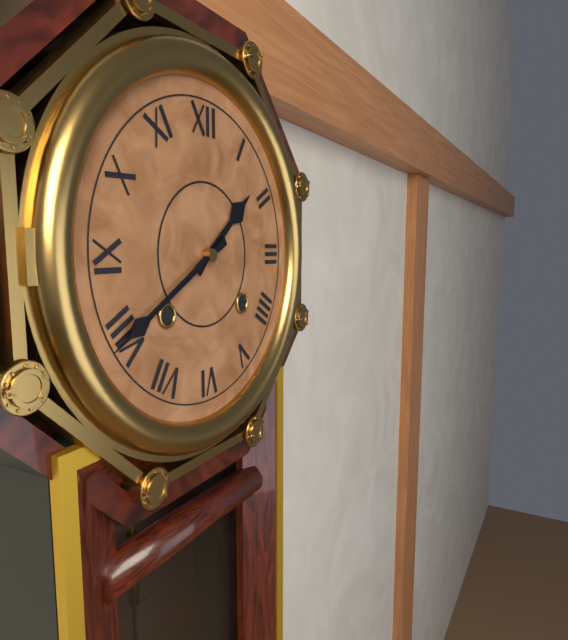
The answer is 1h40
